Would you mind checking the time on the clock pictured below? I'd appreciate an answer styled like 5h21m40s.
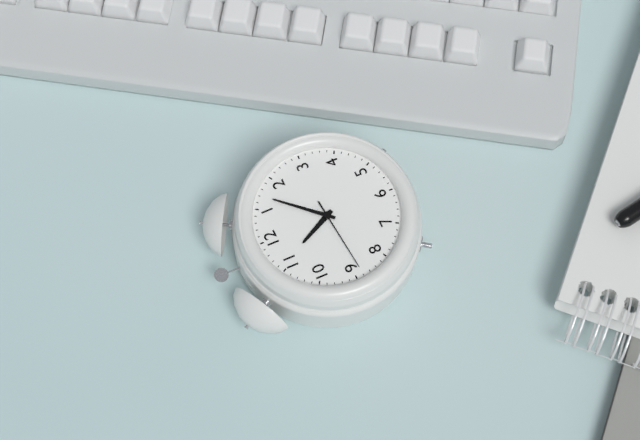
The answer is 11h07m44s
